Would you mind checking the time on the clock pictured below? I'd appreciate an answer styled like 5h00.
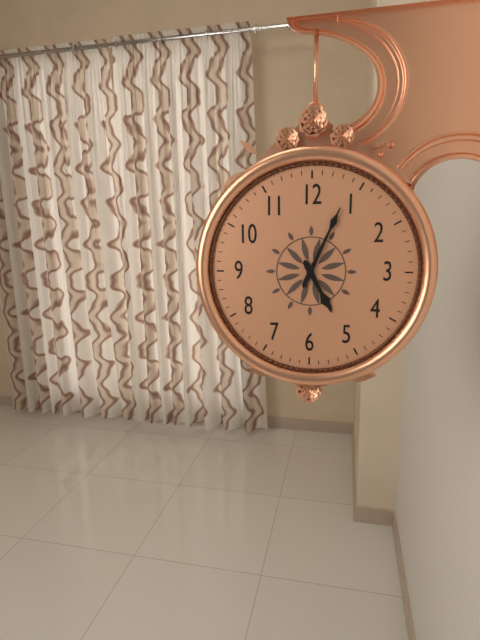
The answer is 5h04
